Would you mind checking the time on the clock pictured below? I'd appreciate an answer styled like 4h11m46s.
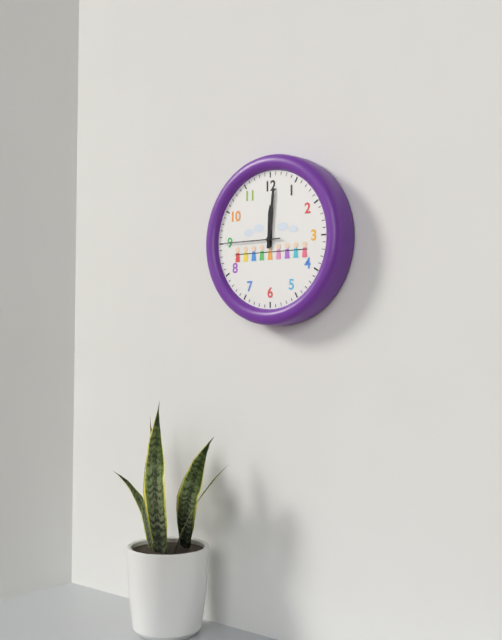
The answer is 12h01m45s
